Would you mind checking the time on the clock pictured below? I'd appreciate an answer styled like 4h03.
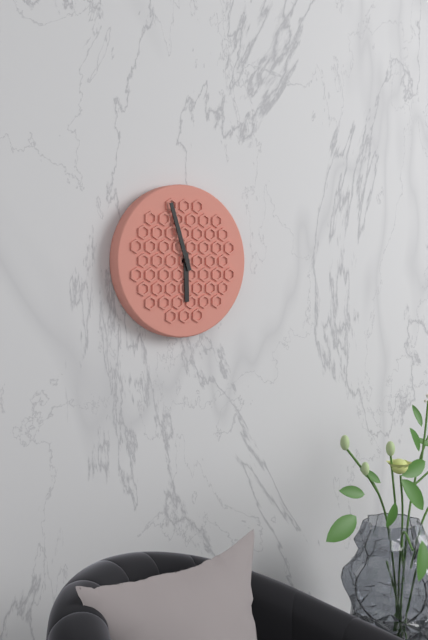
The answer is 5h57
